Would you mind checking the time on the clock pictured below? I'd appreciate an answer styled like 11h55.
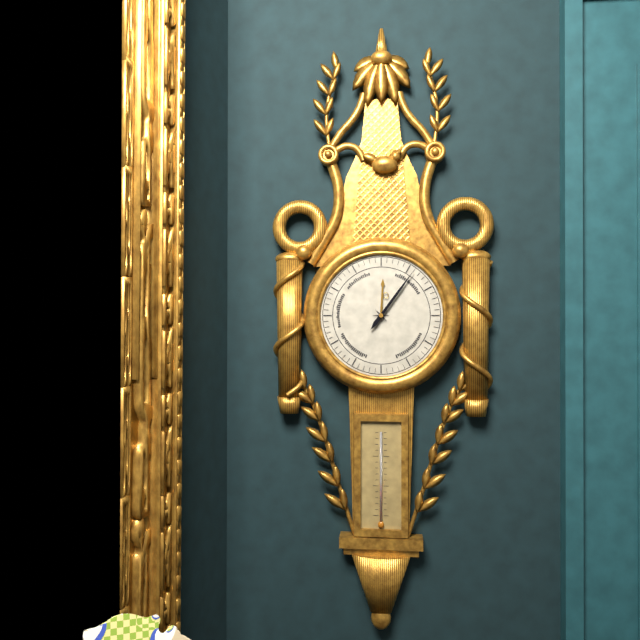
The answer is 12h06
